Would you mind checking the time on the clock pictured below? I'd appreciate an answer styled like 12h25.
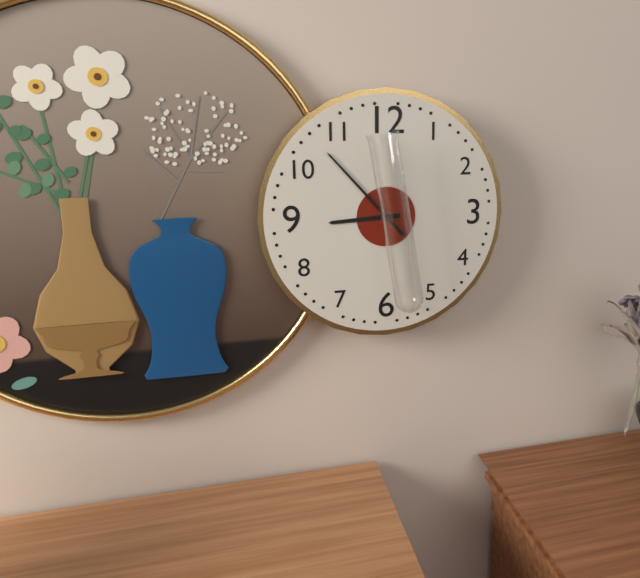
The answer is 8h53
